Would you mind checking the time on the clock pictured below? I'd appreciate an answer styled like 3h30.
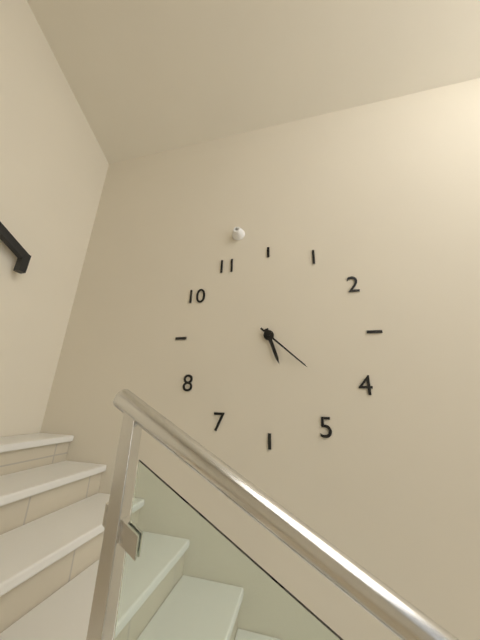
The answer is 5h22
